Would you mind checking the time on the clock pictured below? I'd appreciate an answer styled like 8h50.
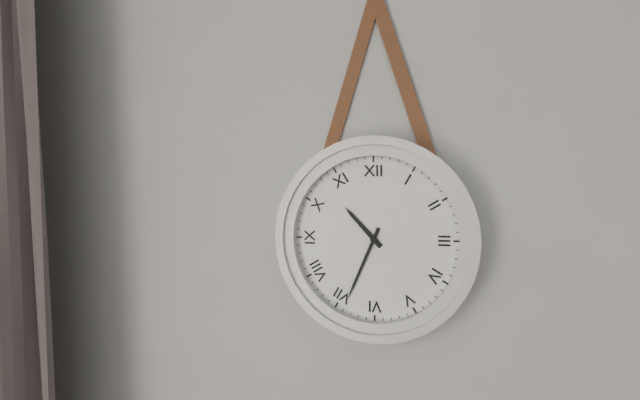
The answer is 10h34
